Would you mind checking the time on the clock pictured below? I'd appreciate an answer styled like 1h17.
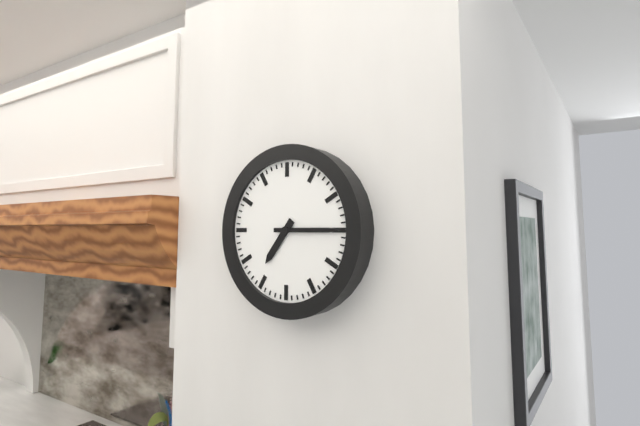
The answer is 7h15
